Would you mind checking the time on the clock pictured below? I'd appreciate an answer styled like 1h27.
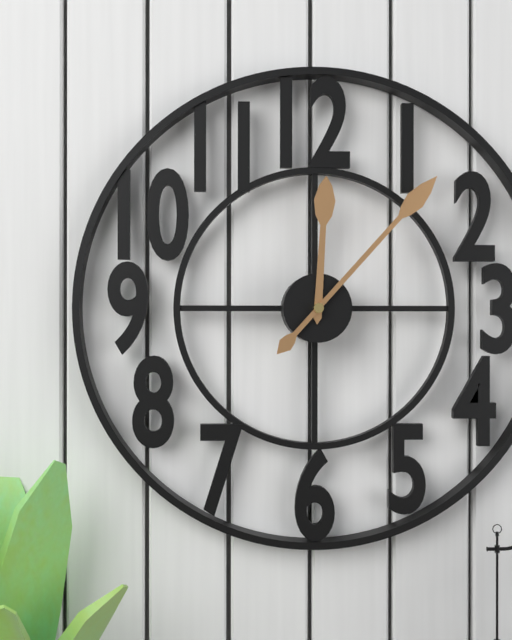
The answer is 12h07
